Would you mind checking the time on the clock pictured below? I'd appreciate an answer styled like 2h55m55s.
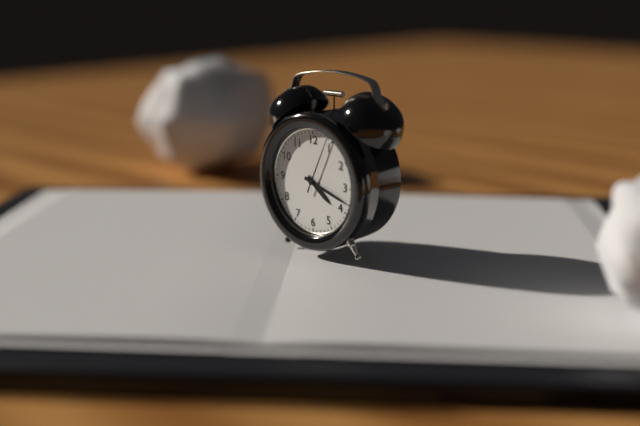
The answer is 4h18m04s
